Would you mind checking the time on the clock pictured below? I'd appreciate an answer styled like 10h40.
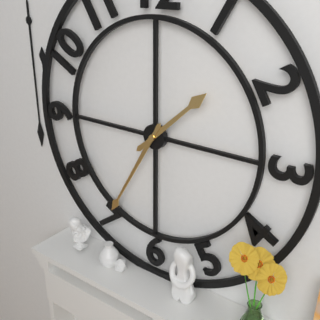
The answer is 1h35
